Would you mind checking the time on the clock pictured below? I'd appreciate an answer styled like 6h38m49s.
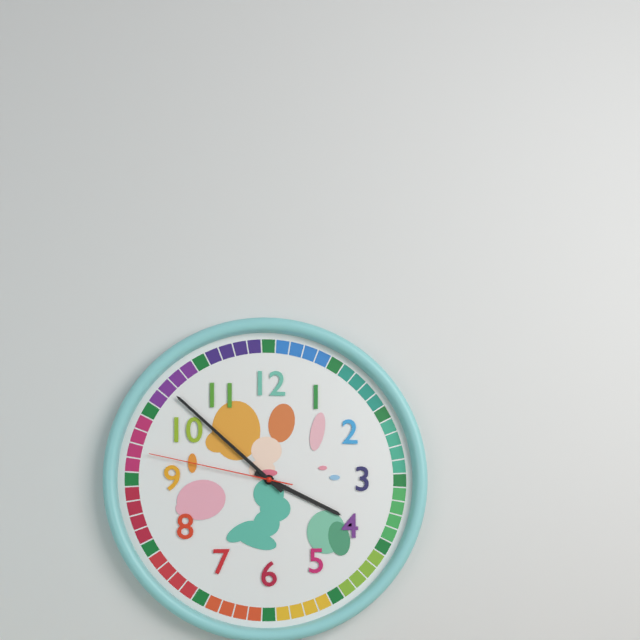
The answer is 3h52m47s
